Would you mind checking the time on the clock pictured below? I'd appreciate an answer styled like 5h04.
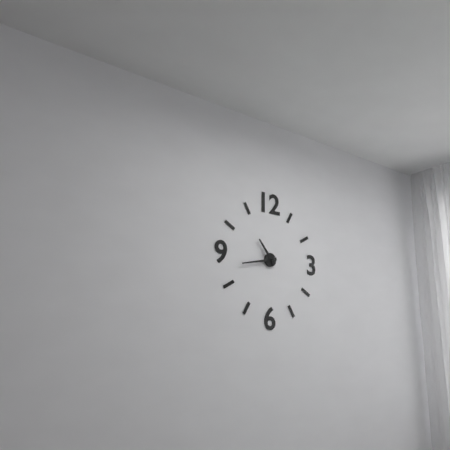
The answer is 10h43
